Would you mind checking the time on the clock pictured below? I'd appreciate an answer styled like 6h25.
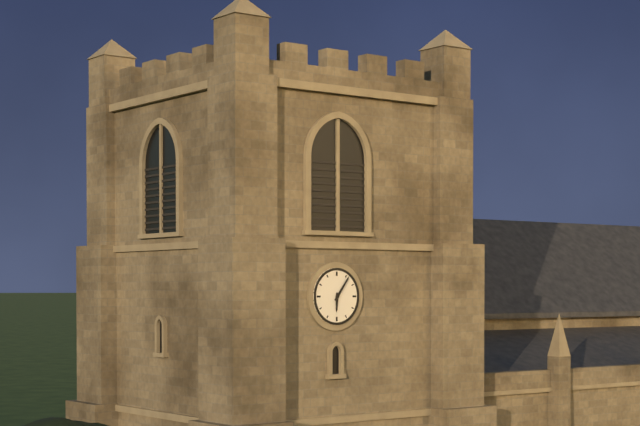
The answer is 6h06
